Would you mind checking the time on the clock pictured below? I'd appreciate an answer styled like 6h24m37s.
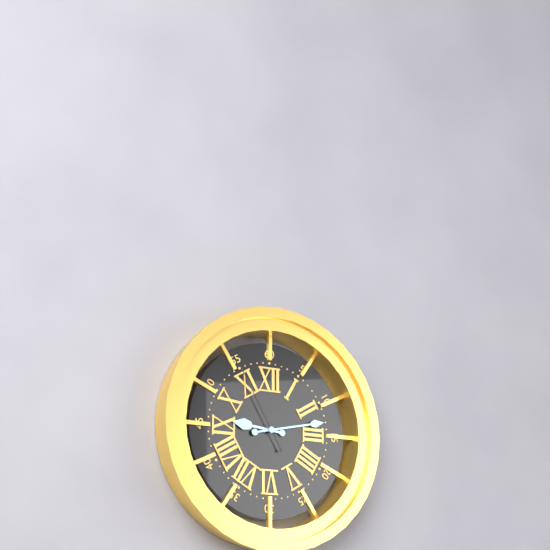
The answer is 9h13m55s
